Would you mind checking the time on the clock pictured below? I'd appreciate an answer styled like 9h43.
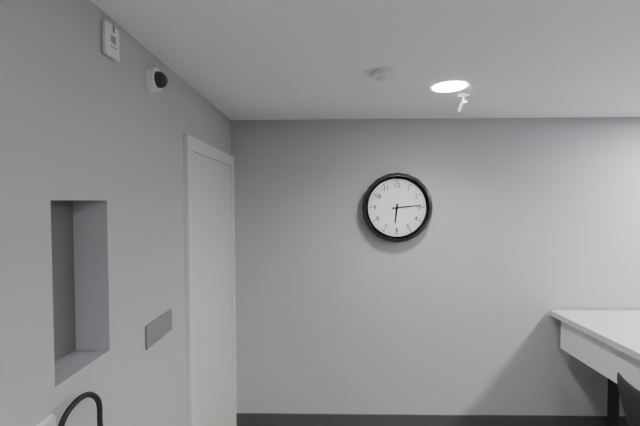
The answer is 6h14
